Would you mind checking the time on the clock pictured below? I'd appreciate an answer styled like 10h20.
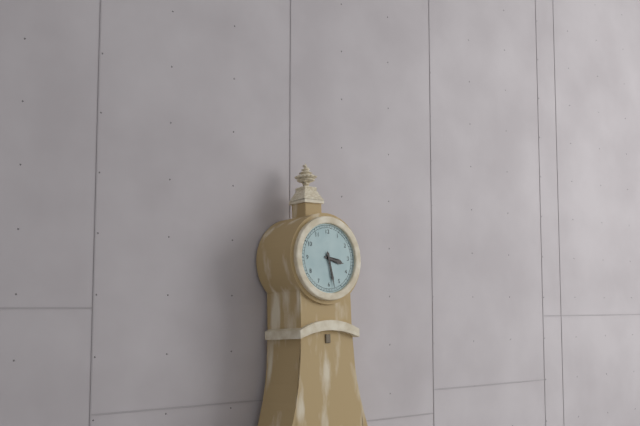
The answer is 3h28
